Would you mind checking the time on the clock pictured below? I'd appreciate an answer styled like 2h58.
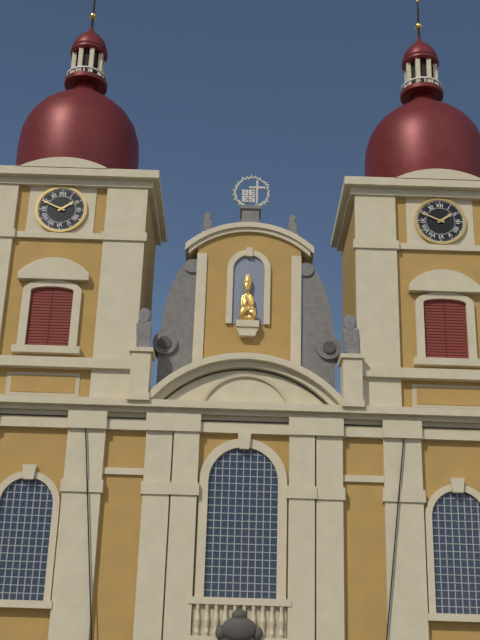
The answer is 1h49
